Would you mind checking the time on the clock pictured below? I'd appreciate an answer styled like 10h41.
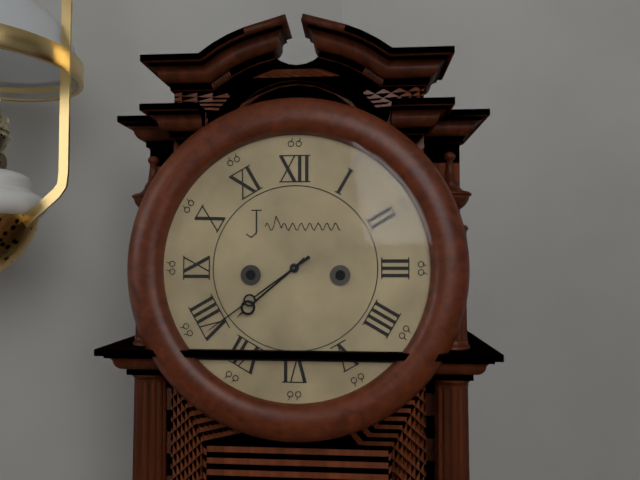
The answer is 7h39
